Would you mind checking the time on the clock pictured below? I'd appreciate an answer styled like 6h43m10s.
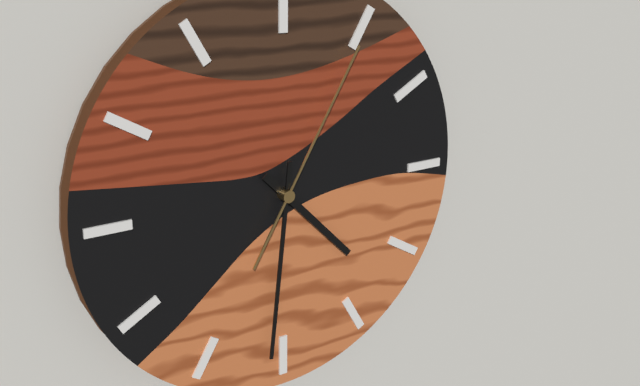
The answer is 4h31m05s
